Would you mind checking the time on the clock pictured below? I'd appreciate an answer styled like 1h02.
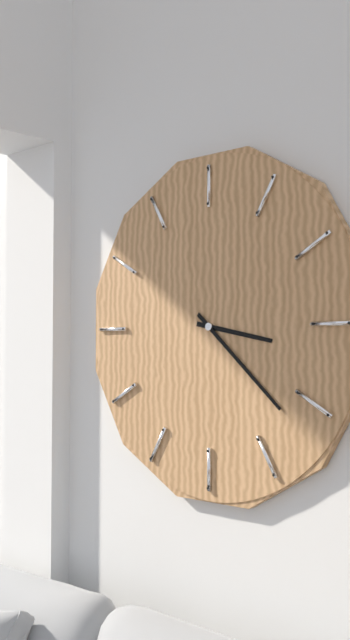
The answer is 3h22
